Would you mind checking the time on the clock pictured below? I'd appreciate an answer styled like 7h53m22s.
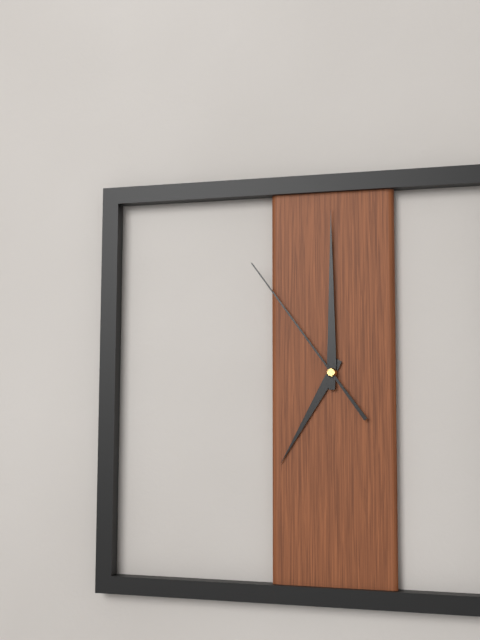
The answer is 7h00m54s
